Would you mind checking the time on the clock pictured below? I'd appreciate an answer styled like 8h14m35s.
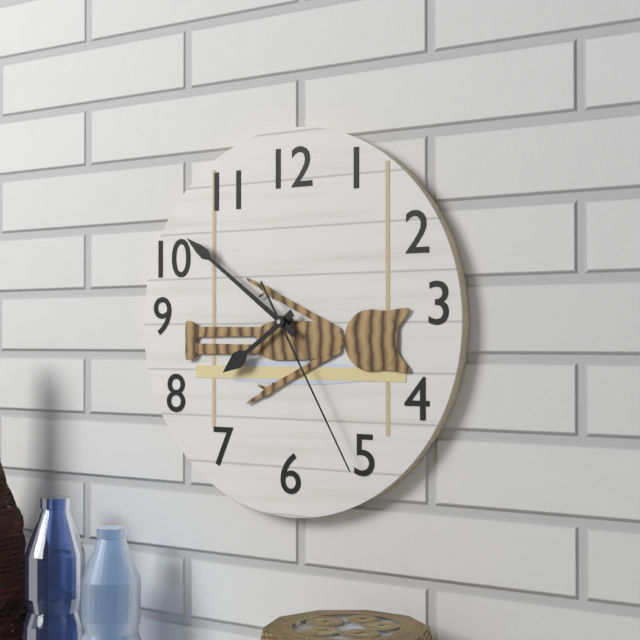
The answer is 7h51m25s
